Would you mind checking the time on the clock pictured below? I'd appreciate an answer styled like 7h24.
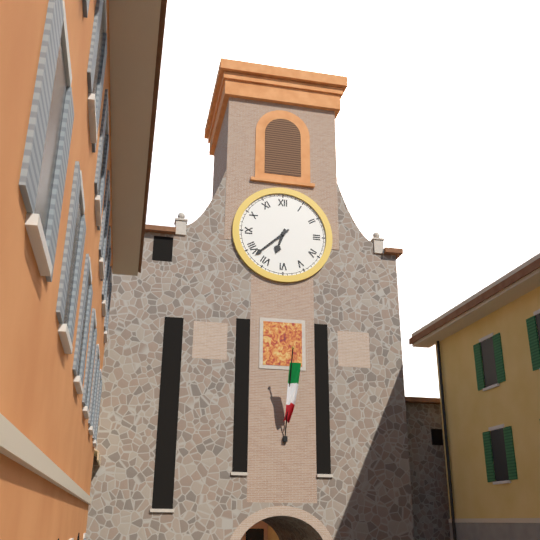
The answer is 6h38
